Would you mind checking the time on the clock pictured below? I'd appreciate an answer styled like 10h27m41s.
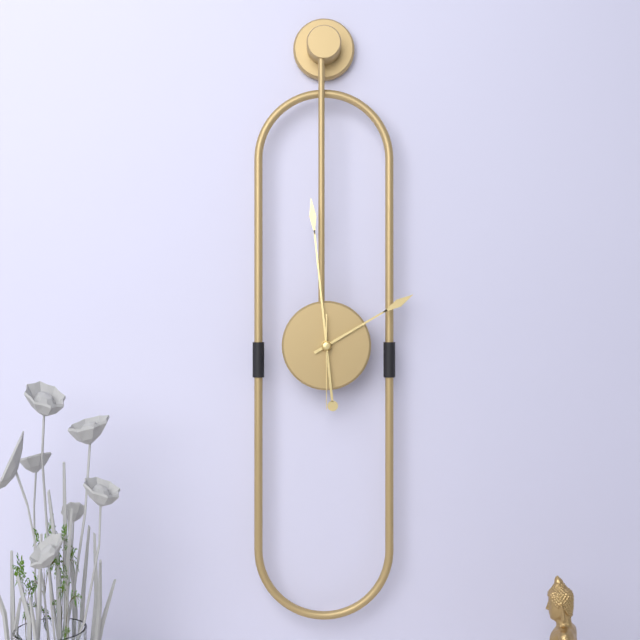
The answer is 1h59m30s
